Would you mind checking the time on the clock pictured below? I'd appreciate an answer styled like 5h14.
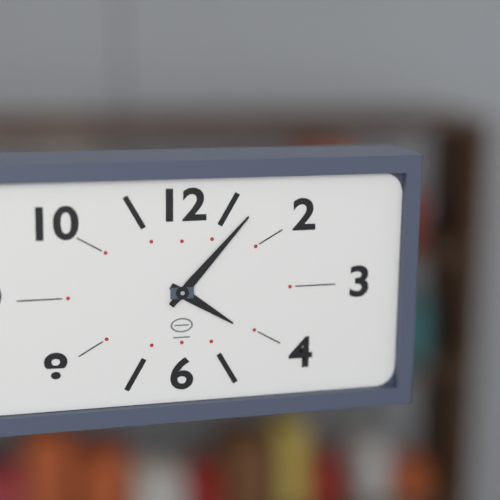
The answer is 4h07
